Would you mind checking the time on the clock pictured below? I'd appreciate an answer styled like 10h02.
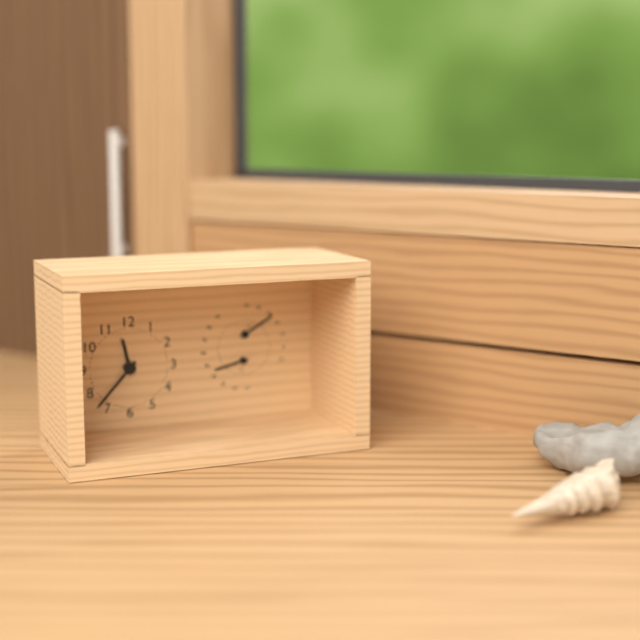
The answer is 11h37
